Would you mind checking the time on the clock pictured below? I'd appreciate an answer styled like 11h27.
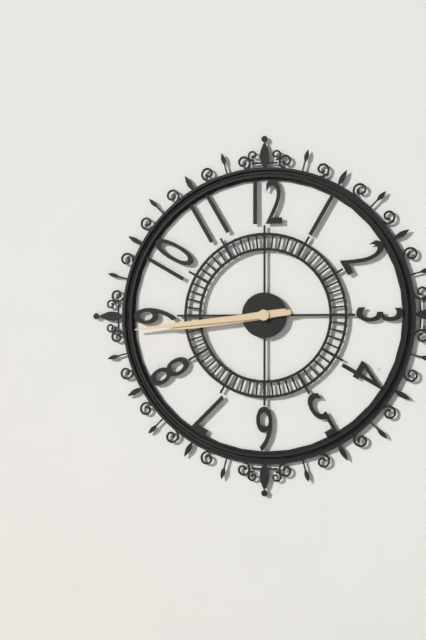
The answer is 8h44
